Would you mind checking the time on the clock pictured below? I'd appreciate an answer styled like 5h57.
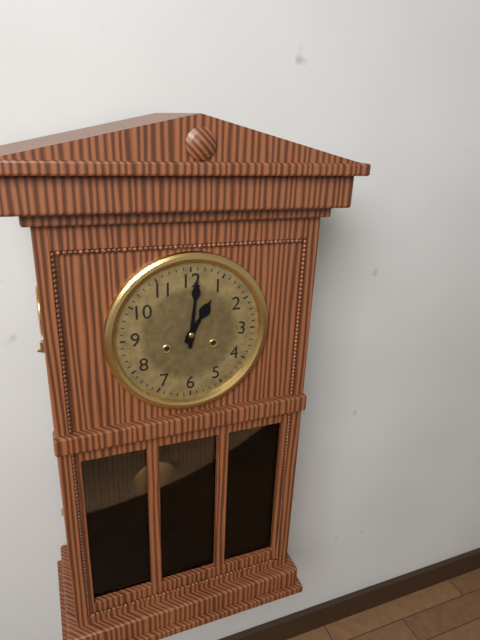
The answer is 1h01
